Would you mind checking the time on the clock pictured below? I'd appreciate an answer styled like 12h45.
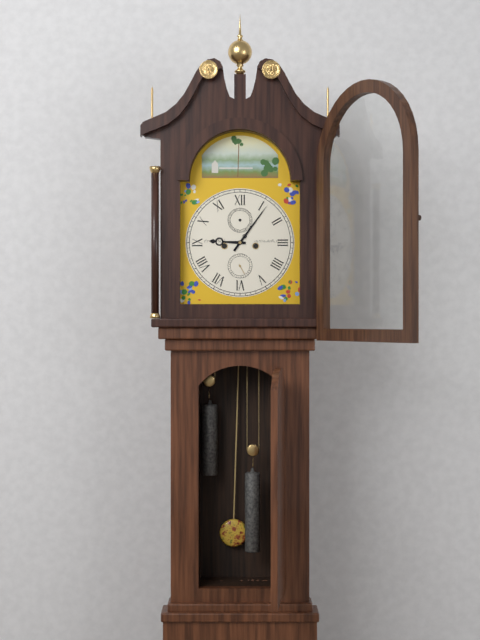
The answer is 9h06
